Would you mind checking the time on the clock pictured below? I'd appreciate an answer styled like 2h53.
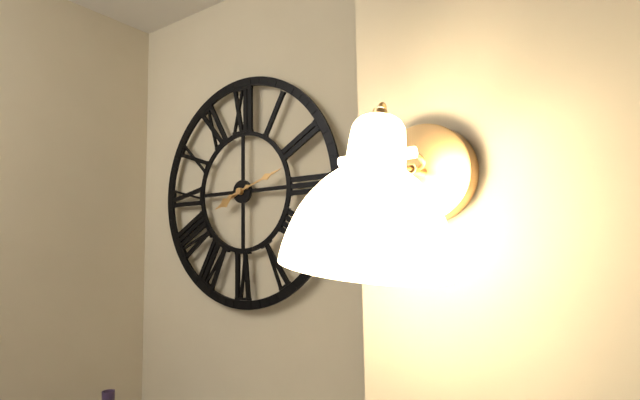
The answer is 8h12
